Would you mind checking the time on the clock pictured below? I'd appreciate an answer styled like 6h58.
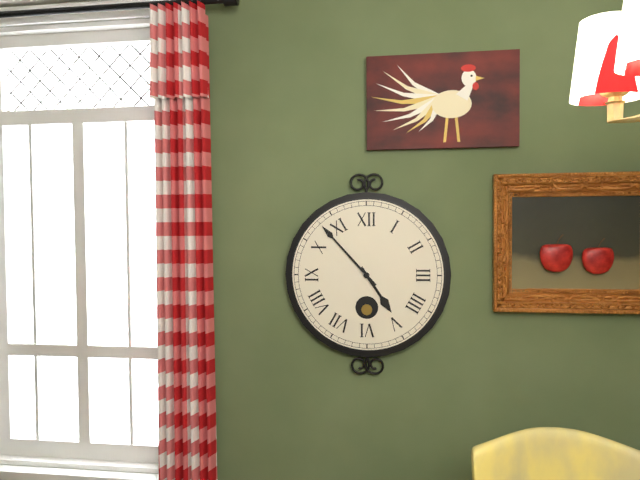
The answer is 4h53
